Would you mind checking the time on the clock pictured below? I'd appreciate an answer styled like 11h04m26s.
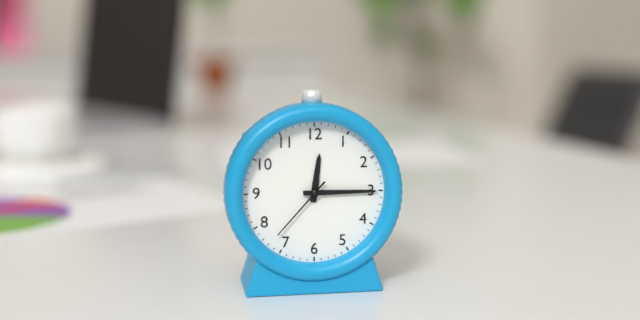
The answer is 12h15m37s
